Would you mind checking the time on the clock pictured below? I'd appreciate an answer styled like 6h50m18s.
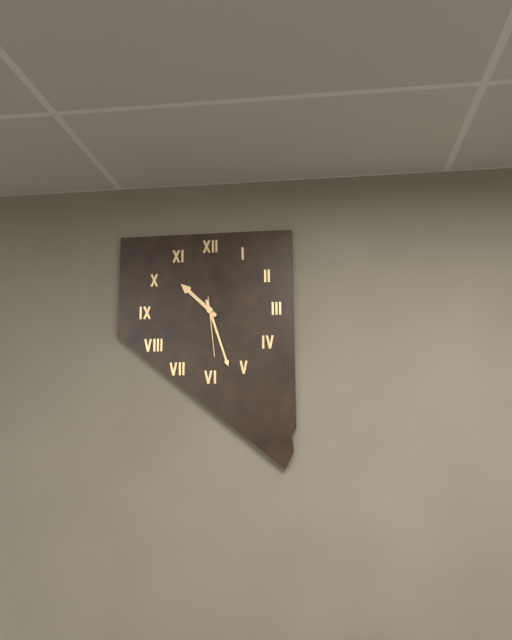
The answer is 10h27m29s
